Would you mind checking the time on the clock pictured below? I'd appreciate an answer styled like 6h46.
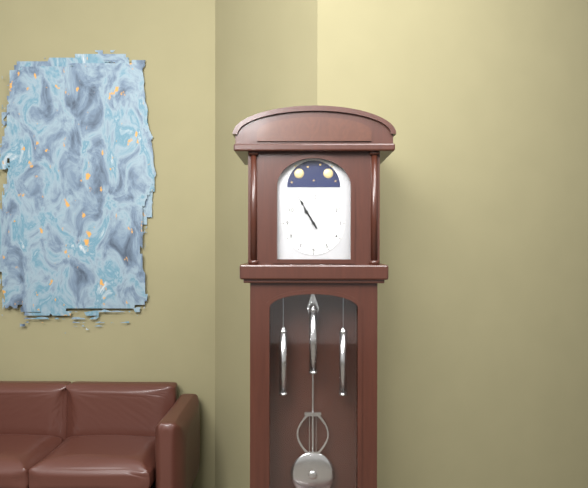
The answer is 10h55
